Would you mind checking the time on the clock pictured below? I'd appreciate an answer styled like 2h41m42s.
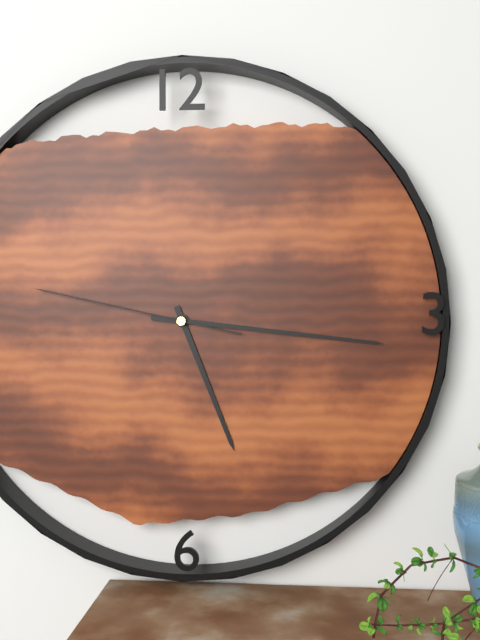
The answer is 5h16m47s
